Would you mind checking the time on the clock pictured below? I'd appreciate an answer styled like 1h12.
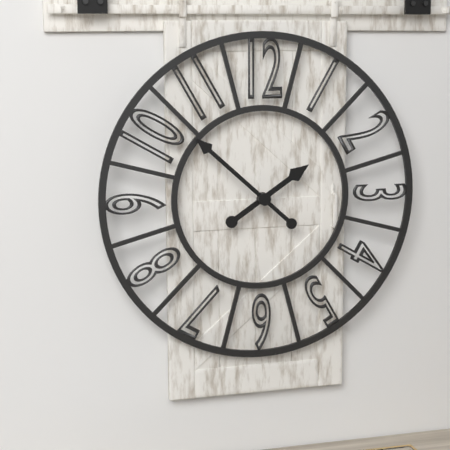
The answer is 1h52
